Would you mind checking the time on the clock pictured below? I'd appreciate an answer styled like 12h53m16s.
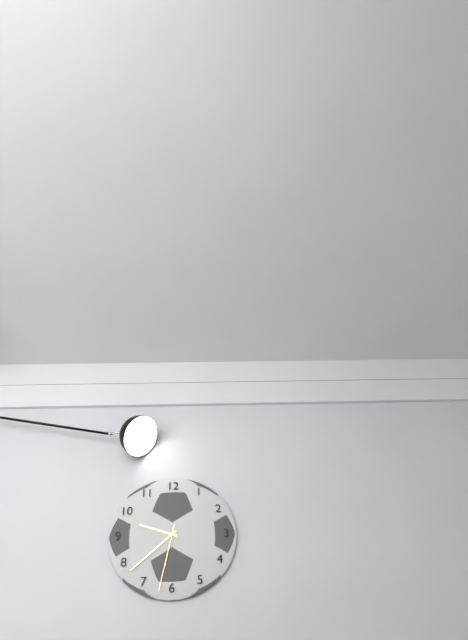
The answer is 9h38m32s
